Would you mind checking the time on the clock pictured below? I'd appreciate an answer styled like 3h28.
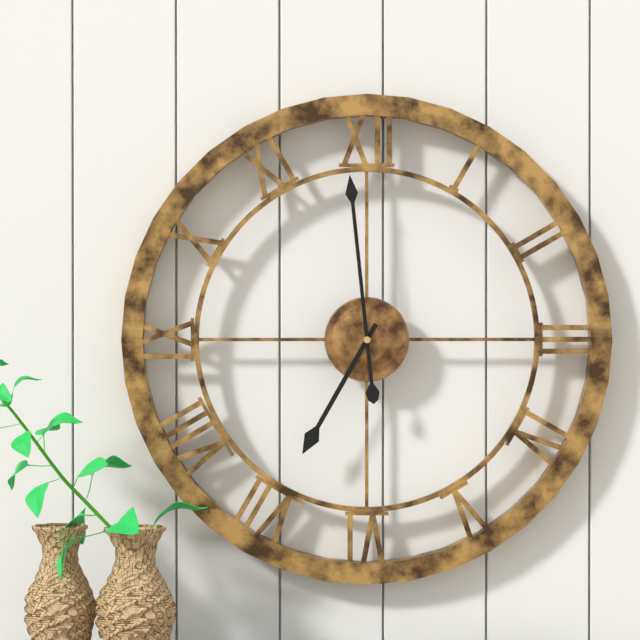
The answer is 6h59
